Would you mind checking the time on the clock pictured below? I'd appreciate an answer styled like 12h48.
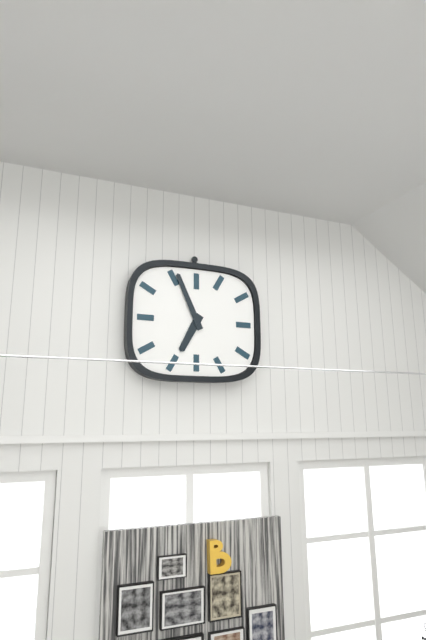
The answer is 6h56
